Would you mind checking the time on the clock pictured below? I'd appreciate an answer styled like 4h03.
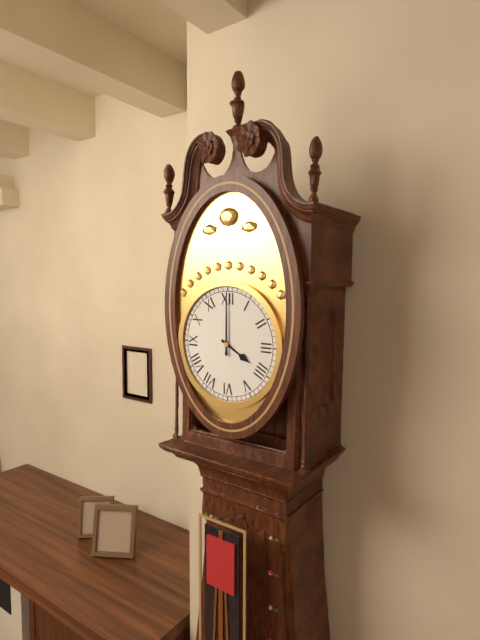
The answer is 4h00
